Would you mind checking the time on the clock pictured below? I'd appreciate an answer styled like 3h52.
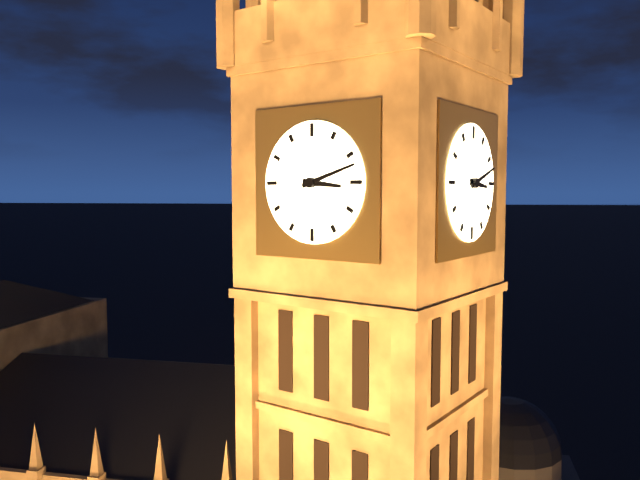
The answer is 3h12
